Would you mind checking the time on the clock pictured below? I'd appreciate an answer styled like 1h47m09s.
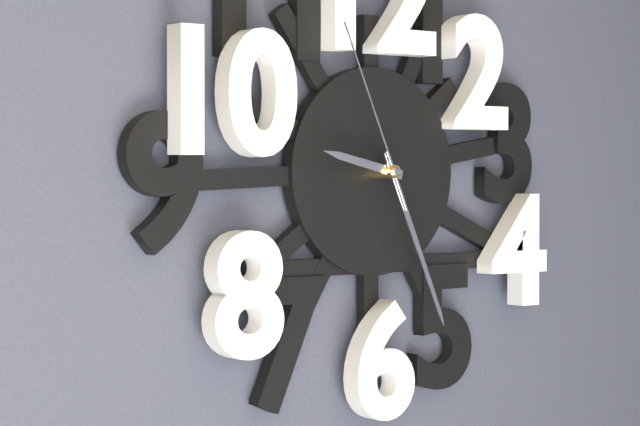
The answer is 9h26m56s
